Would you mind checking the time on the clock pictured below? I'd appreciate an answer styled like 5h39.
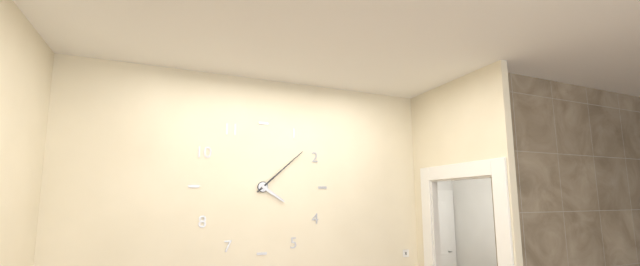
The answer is 4h08
